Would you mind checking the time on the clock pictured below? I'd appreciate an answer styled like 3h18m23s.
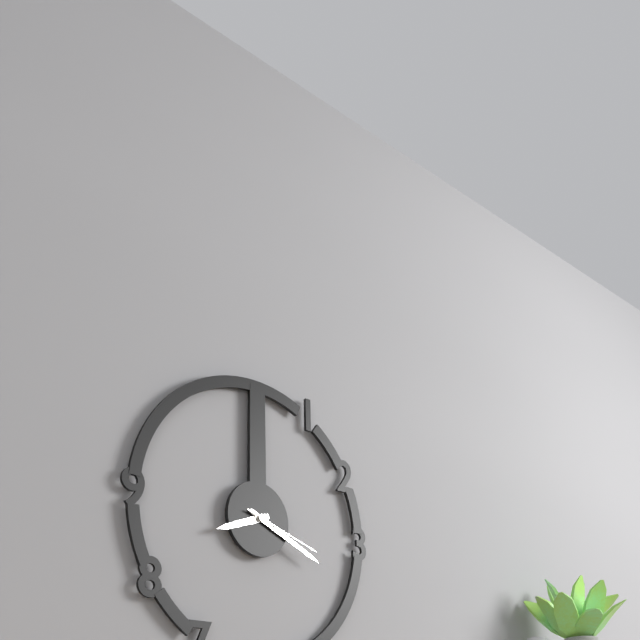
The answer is 8h19m18s
